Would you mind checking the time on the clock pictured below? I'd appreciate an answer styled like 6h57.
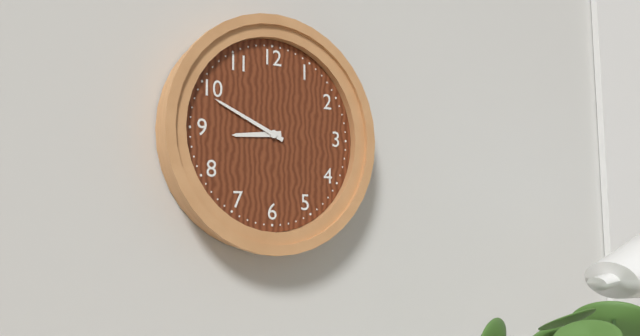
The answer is 8h49
